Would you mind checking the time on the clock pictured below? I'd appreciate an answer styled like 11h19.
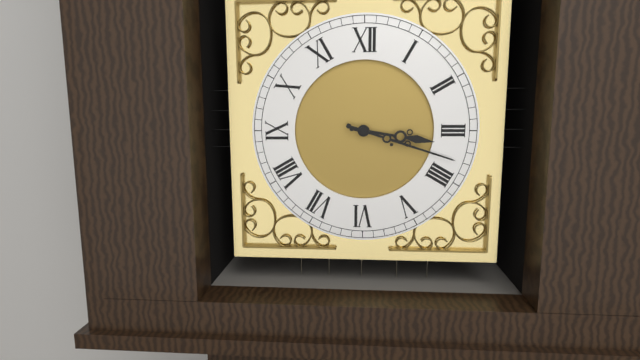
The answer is 3h18
